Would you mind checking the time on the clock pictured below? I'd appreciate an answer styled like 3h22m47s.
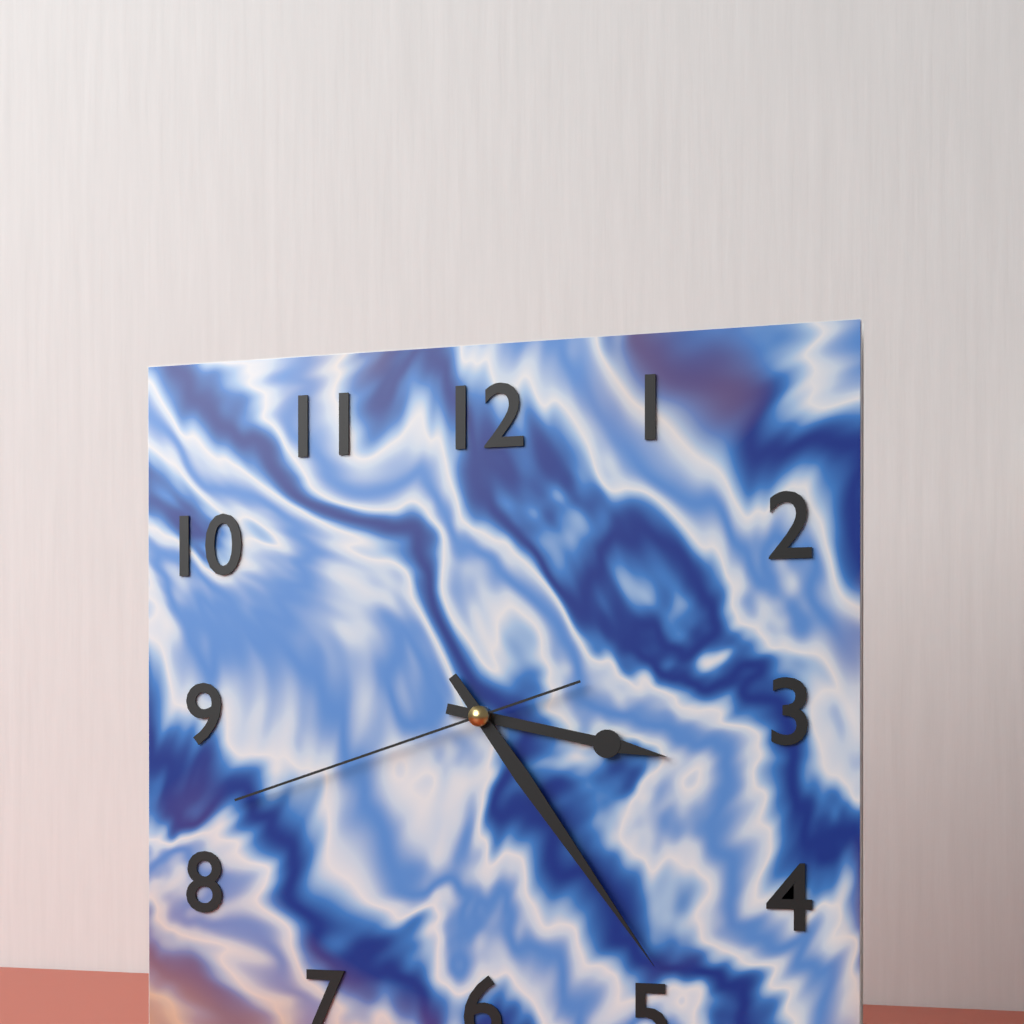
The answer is 3h24m42s
